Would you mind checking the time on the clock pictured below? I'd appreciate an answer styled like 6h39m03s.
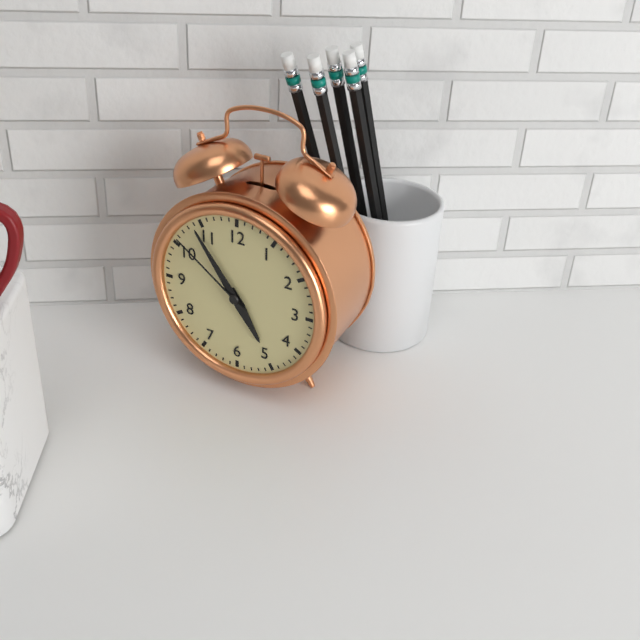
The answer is 4h54m51s
